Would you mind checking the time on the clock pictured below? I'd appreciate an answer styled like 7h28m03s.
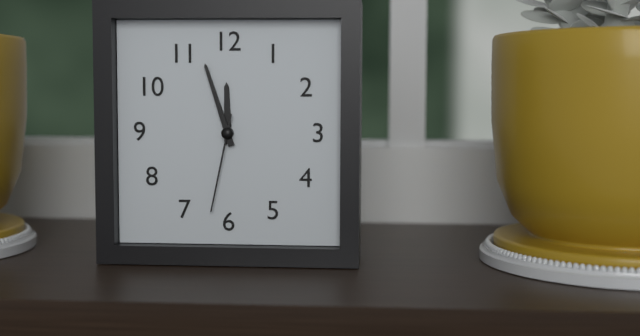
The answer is 11h57m32s
